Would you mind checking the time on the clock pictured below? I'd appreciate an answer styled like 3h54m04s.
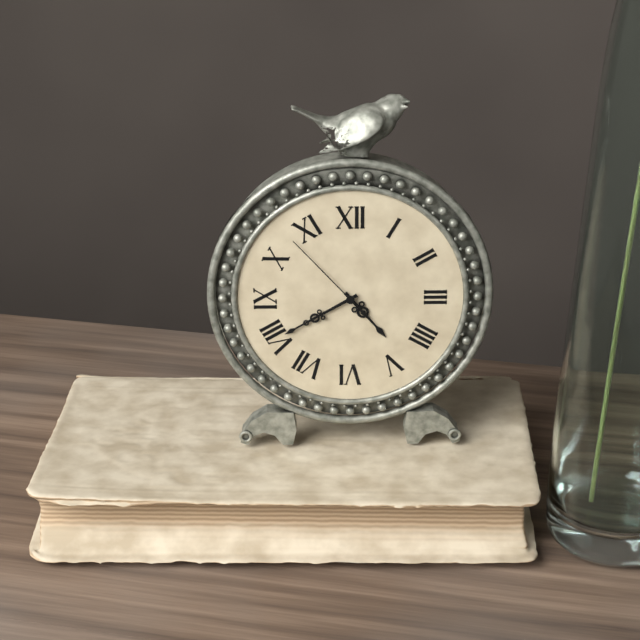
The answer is 4h40m53s
